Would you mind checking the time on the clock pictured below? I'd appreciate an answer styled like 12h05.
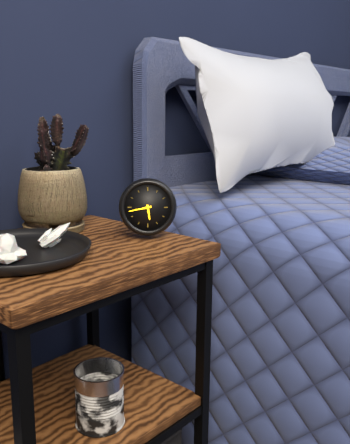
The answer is 5h43
